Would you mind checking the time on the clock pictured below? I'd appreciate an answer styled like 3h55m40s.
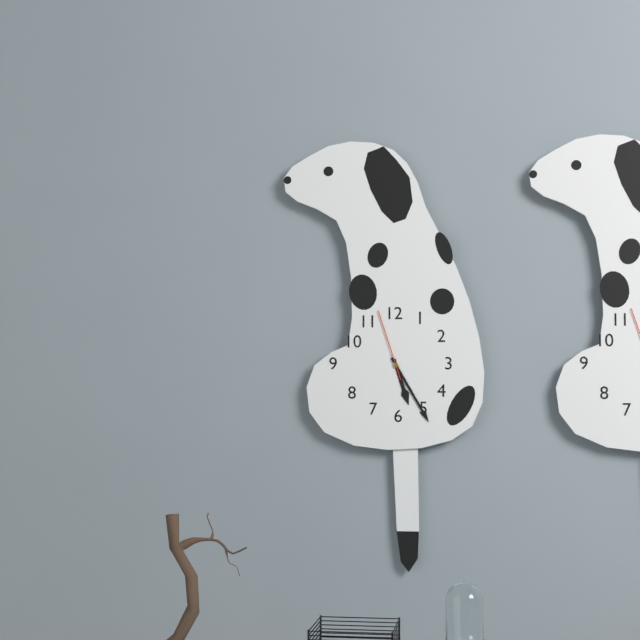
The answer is 5h25m57s
